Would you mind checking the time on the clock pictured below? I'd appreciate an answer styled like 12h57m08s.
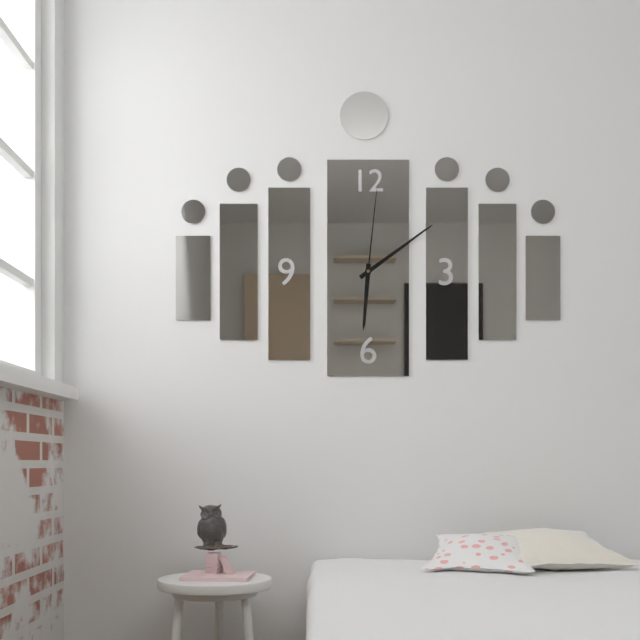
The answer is 6h09m01s
